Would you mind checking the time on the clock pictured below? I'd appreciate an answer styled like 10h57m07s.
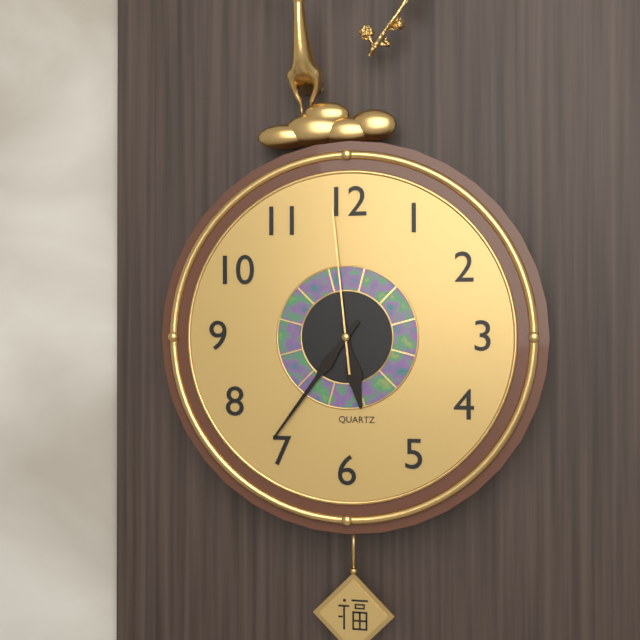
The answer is 5h36m59s
